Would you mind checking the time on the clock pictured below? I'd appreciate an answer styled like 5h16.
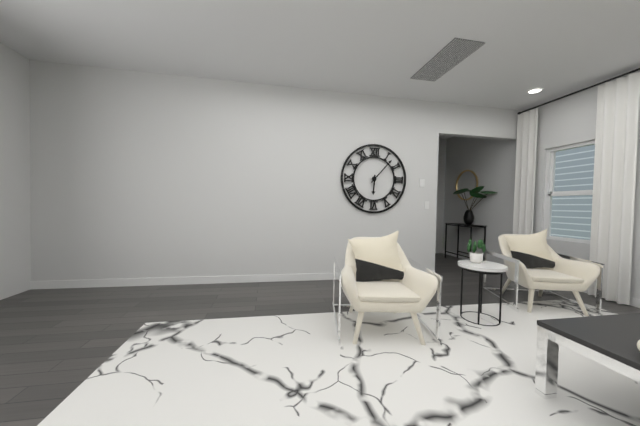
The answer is 6h07
